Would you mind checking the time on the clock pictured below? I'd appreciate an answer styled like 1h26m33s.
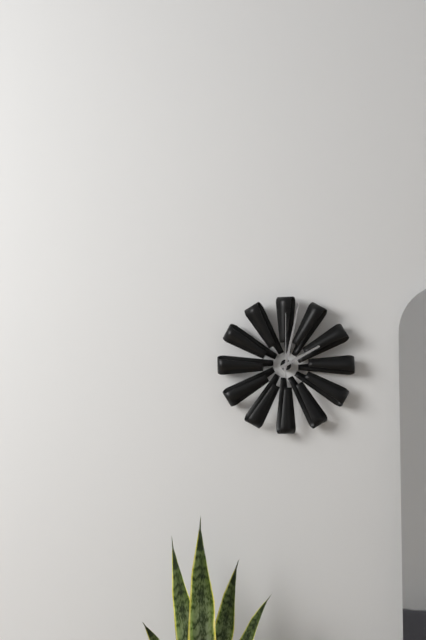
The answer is 2h02m00s
